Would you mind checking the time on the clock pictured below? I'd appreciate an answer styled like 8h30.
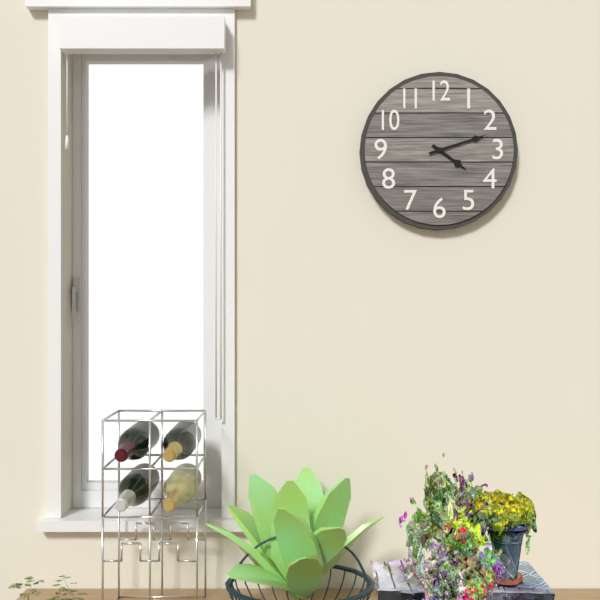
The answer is 4h12
